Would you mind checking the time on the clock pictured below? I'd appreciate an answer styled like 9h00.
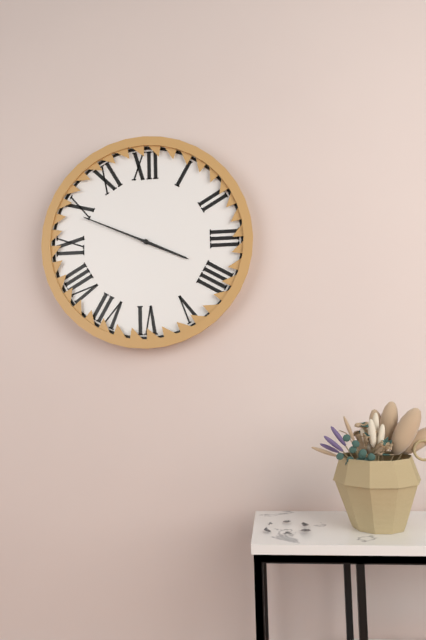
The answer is 3h49
